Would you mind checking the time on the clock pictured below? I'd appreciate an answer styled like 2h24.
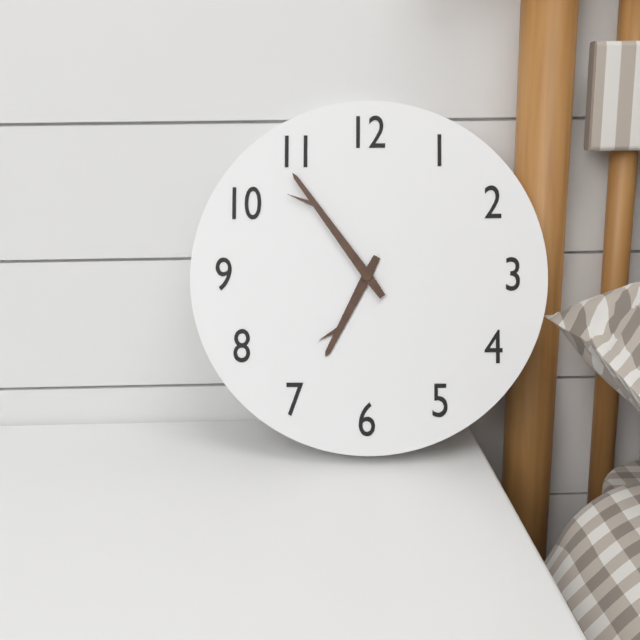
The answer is 6h54
